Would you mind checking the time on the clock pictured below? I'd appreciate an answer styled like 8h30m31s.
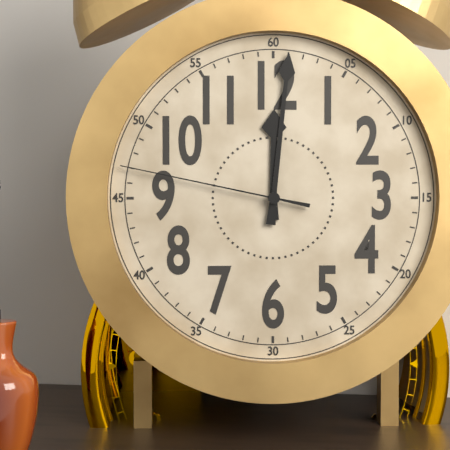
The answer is 12h01m47s
